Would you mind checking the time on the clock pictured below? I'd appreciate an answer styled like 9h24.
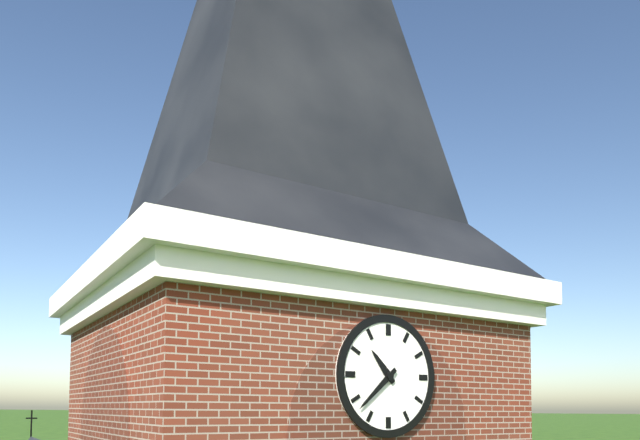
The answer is 10h38
